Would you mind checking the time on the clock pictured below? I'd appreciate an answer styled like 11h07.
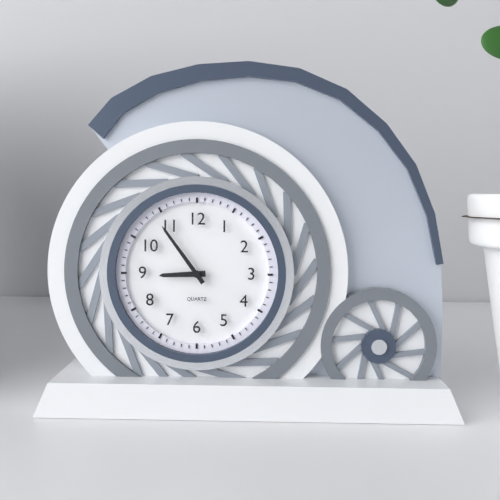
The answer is 8h54
